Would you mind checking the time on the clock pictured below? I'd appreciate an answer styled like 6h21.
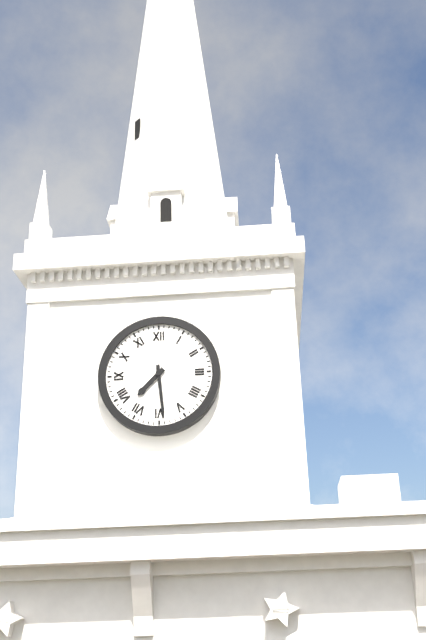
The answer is 7h29
